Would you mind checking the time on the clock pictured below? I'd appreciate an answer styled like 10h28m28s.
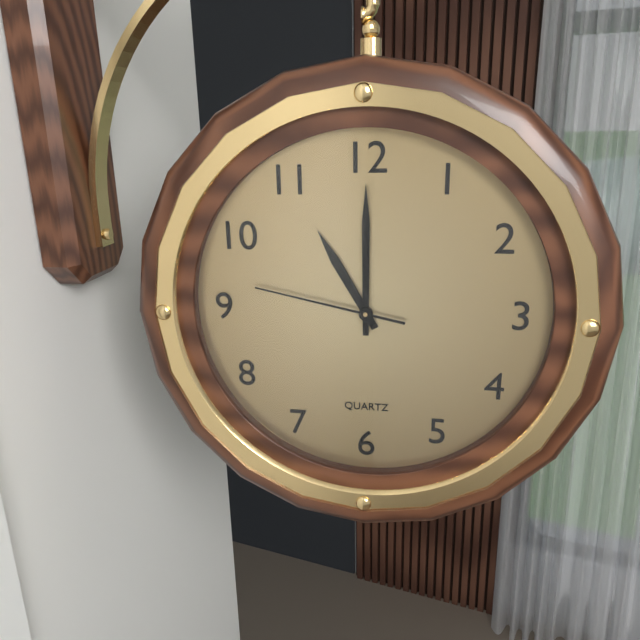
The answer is 11h00m47s
